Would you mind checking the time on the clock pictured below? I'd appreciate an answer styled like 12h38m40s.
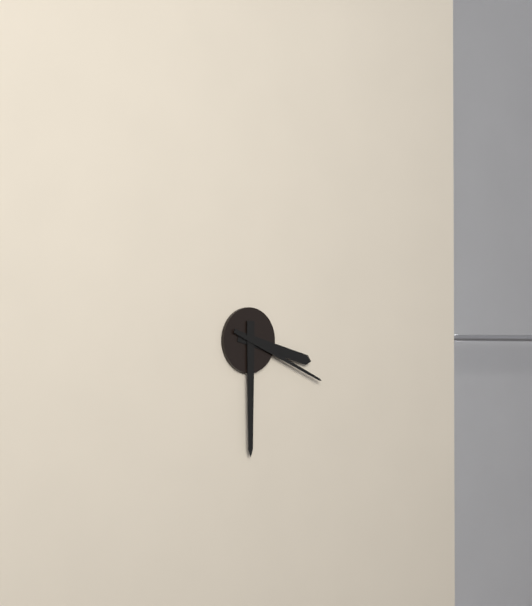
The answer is 3h30m19s
